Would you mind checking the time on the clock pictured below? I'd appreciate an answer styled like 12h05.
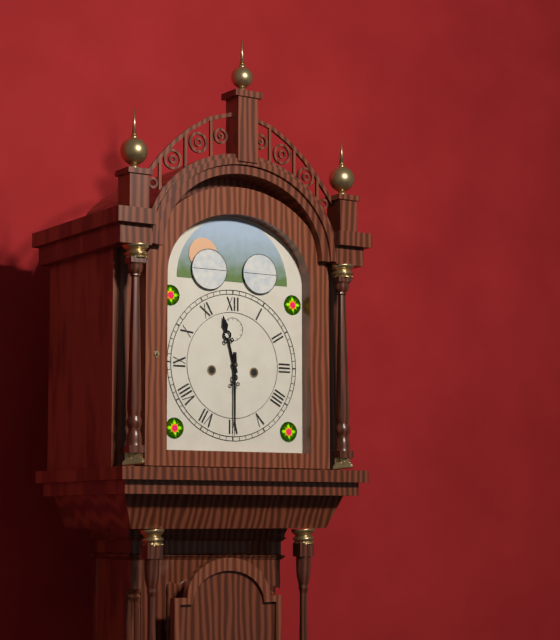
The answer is 11h30
